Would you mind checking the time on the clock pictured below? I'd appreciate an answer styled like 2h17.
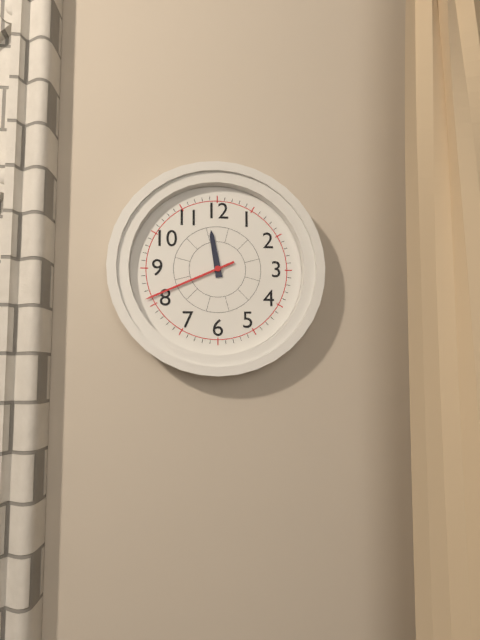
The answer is 11h41
